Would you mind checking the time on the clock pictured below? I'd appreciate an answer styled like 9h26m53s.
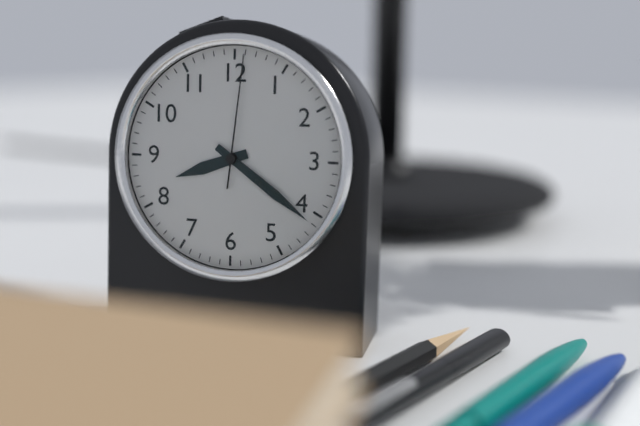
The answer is 8h21m01s
